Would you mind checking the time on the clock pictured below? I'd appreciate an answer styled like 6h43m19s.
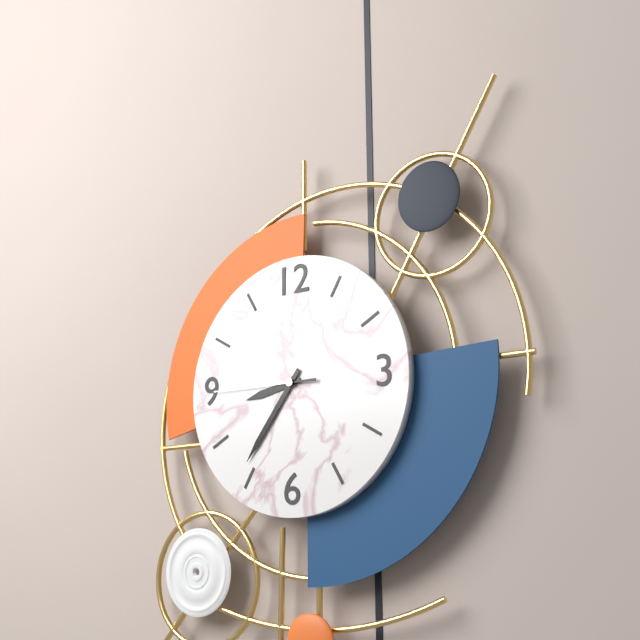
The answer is 8h36m45s
